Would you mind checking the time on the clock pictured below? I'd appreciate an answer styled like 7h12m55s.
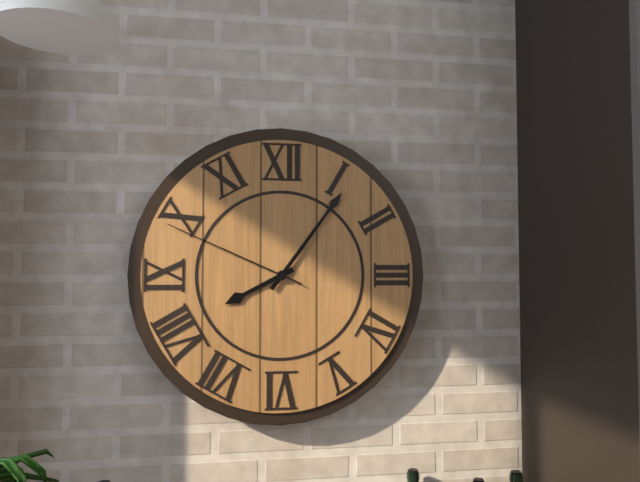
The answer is 8h06m49s
